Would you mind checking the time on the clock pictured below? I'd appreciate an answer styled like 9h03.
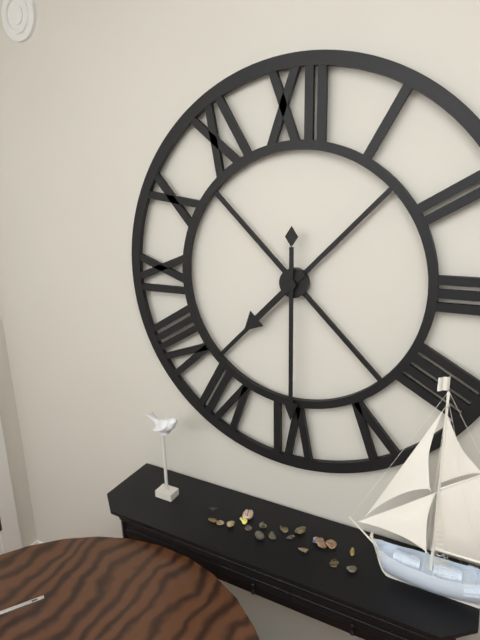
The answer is 7h30
